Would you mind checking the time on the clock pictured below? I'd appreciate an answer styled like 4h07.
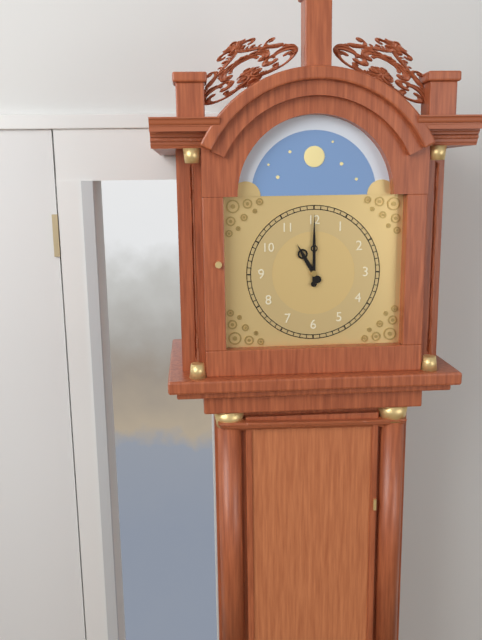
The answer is 11h00
